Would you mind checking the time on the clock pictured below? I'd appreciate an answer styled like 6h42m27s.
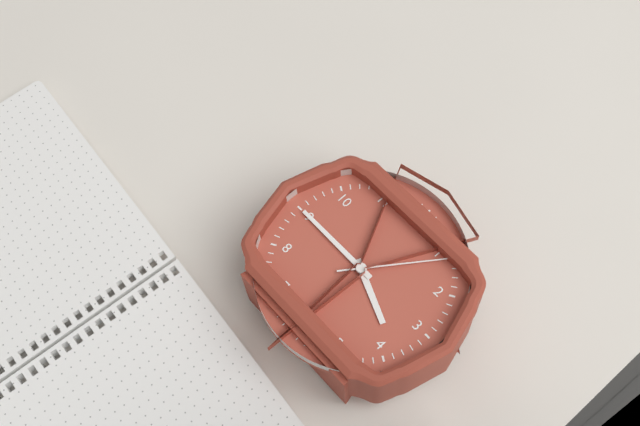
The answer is 3h45m06s
